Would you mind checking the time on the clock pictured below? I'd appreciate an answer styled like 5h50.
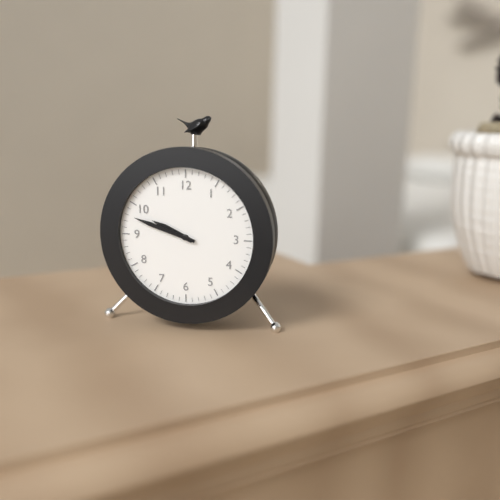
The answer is 9h48
